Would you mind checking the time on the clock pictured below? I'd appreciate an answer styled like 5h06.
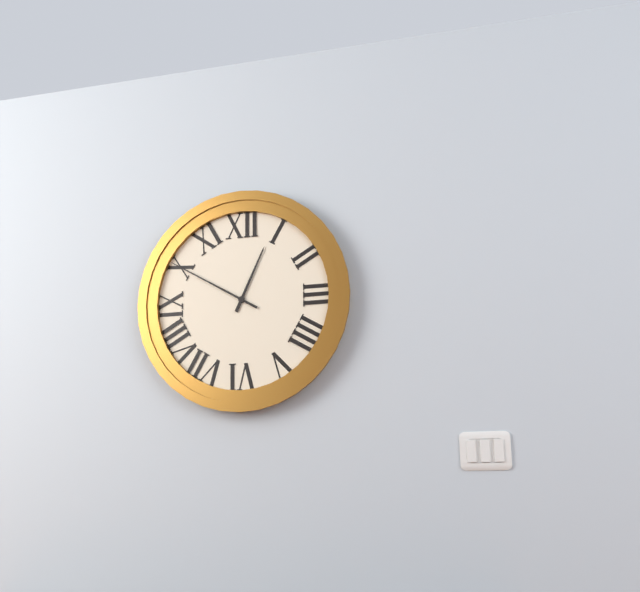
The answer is 12h50
